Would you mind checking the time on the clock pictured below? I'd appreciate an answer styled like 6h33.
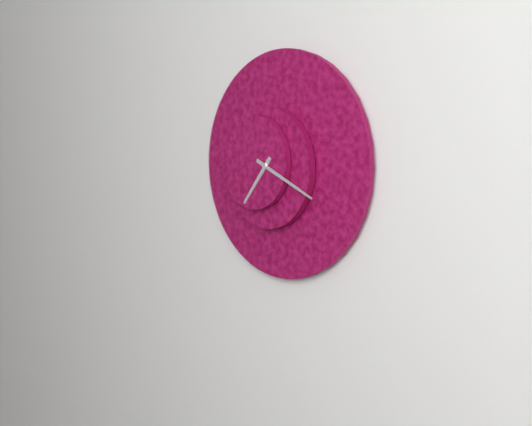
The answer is 7h19
